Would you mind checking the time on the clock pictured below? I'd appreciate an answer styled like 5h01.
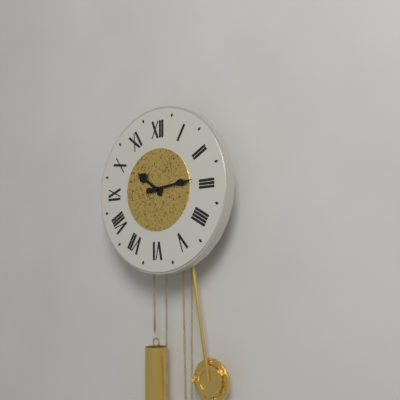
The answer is 10h14
